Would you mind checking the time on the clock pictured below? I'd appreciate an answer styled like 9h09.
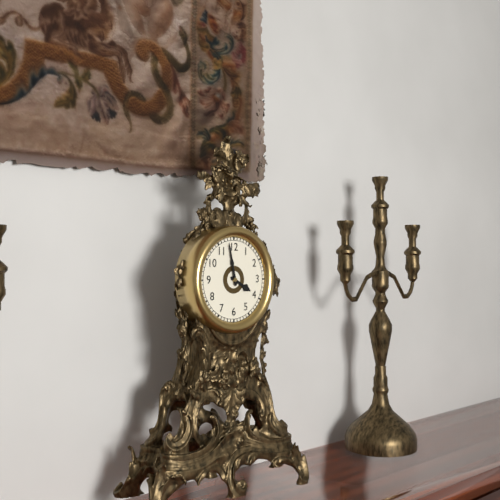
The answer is 3h58
